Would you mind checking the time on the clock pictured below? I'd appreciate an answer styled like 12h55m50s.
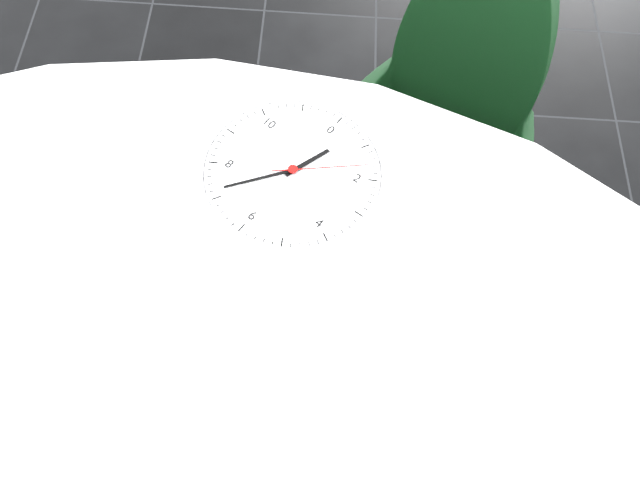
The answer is 12h36m08s
